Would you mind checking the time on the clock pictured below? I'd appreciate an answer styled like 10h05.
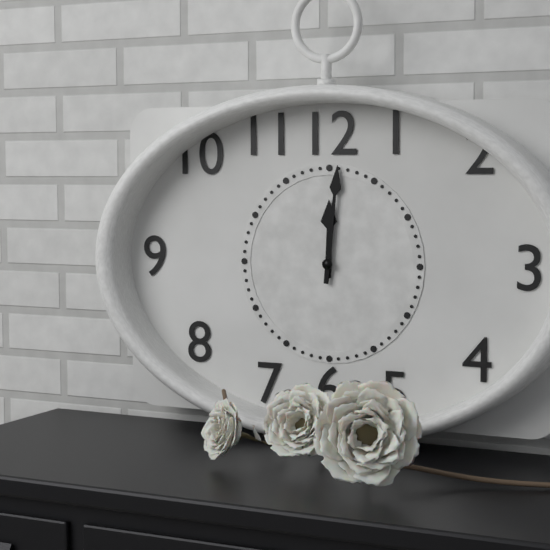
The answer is 12h01
